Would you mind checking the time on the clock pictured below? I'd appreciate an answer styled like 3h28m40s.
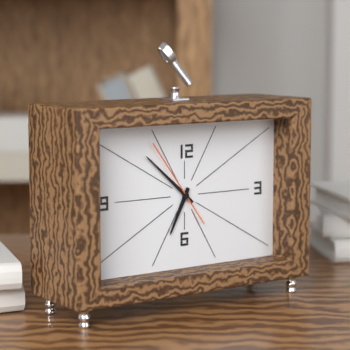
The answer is 6h52m54s
